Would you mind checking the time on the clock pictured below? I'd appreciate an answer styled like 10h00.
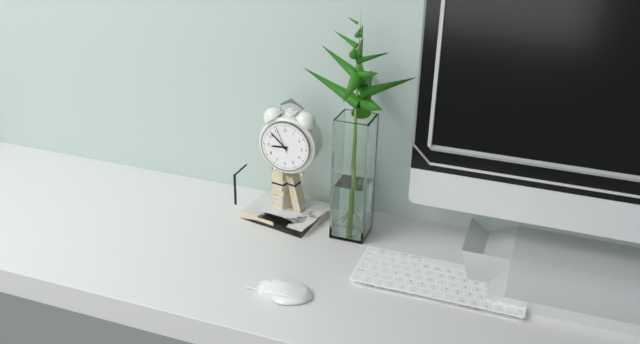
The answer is 8h52
